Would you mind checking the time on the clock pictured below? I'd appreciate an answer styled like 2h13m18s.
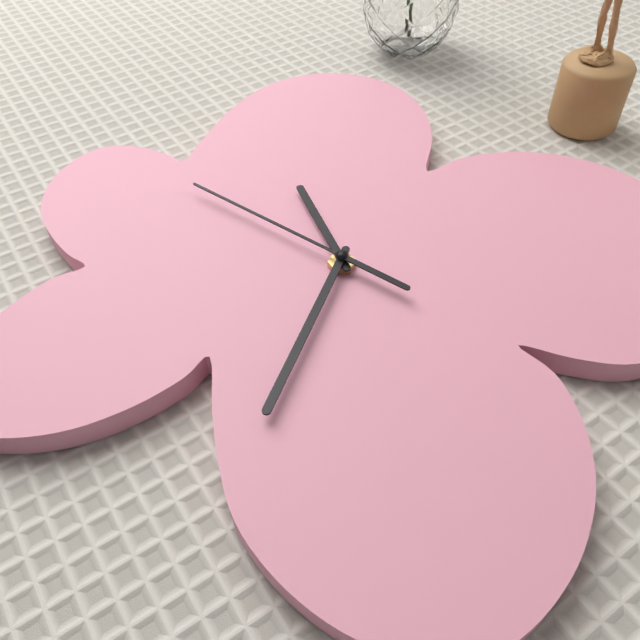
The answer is 10h29m47s
